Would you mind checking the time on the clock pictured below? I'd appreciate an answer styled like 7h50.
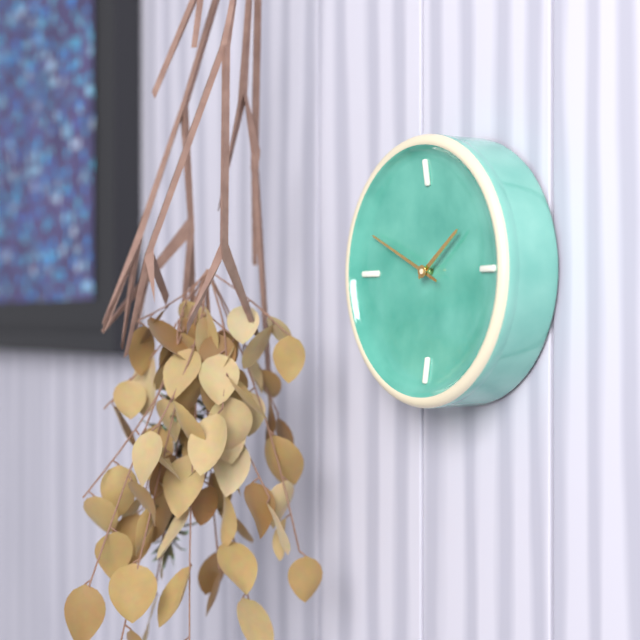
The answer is 1h49
